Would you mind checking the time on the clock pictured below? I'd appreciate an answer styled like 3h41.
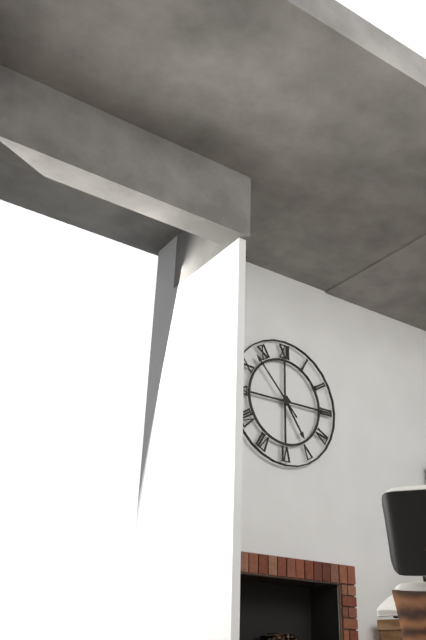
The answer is 4h53
